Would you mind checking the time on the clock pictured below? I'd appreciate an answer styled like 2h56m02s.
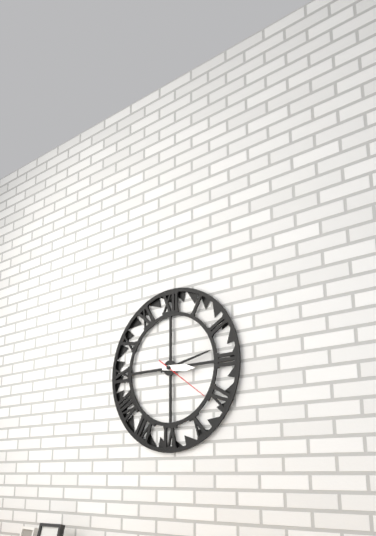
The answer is 3h13m21s
